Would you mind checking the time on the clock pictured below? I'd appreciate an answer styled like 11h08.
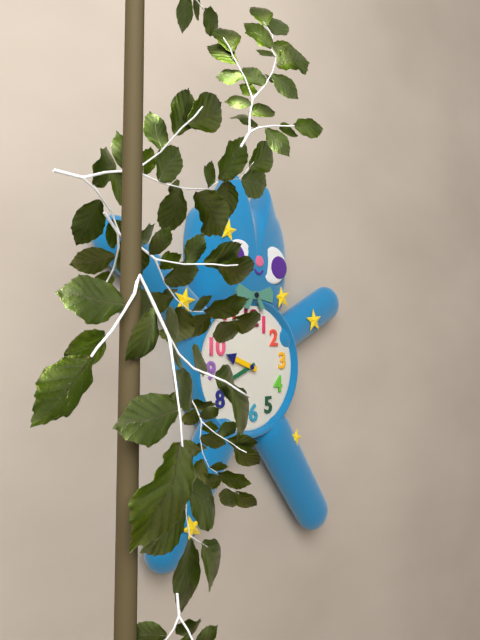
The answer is 9h41
